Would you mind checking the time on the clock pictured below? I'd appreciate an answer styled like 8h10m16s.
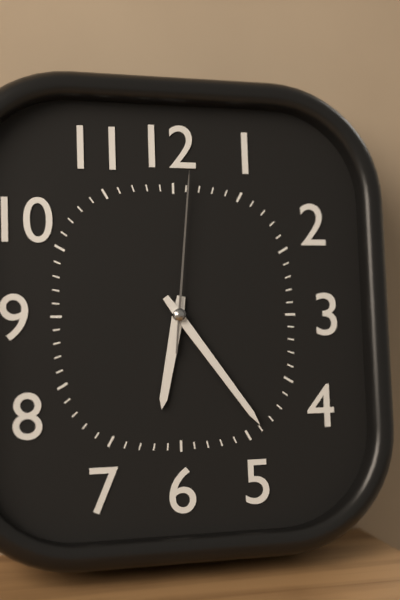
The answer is 6h24m01s
